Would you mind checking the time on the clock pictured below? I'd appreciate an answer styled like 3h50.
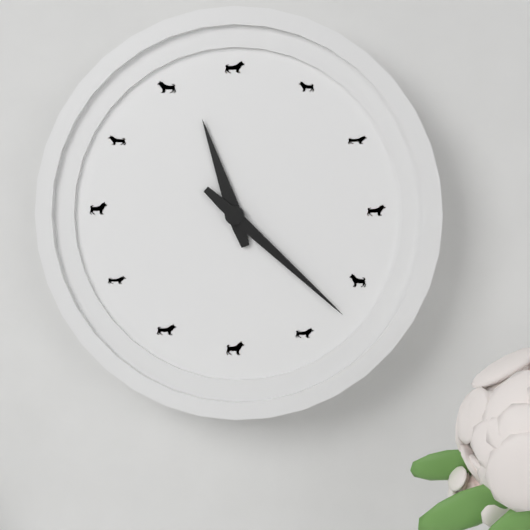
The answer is 11h22
